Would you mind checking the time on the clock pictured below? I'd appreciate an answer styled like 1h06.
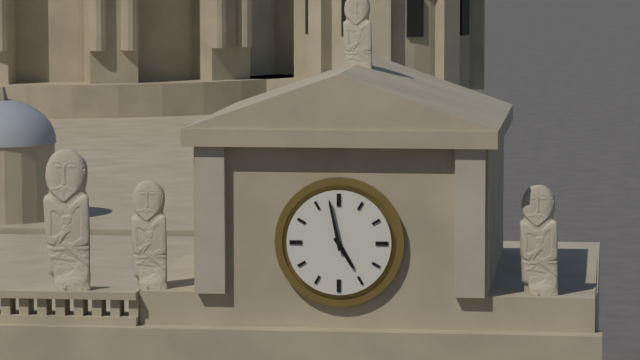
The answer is 4h58
